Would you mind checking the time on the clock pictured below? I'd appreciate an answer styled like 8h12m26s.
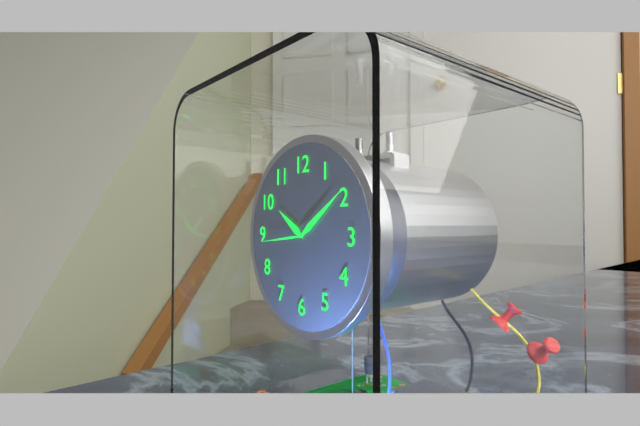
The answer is 10h09m44s
